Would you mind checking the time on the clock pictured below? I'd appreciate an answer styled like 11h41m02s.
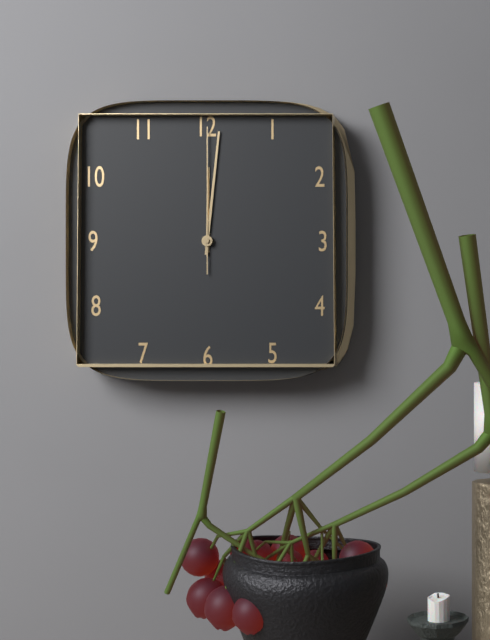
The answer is 12h01m00s
